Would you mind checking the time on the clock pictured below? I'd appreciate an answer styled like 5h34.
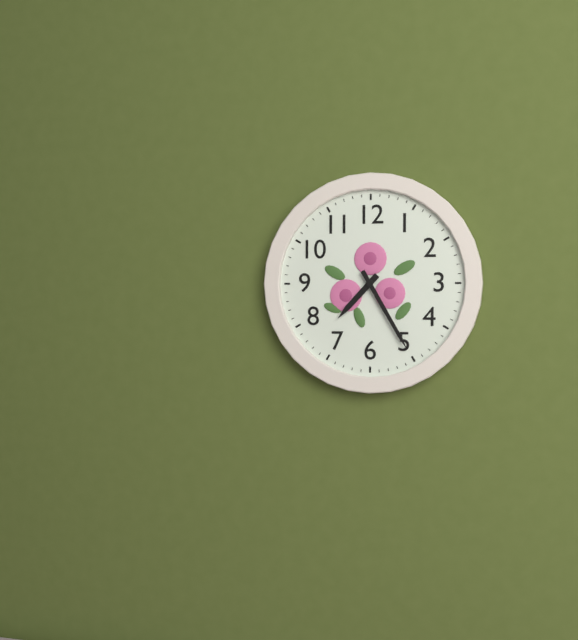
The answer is 7h25
